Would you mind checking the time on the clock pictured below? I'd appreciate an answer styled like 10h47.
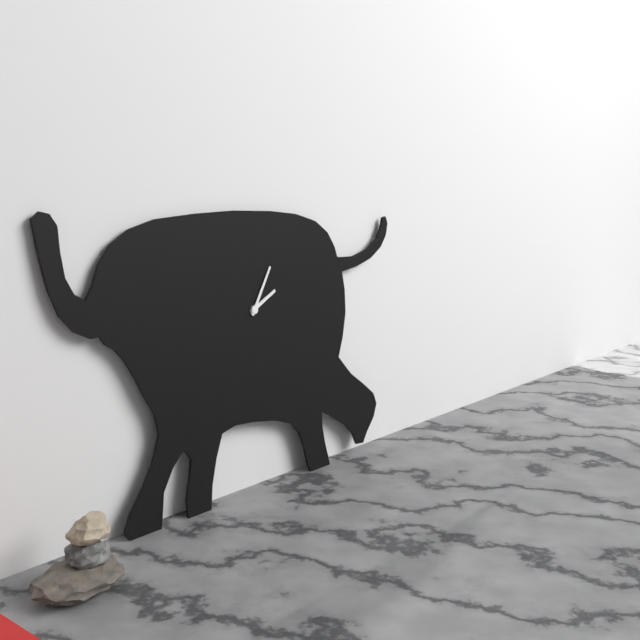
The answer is 2h05
